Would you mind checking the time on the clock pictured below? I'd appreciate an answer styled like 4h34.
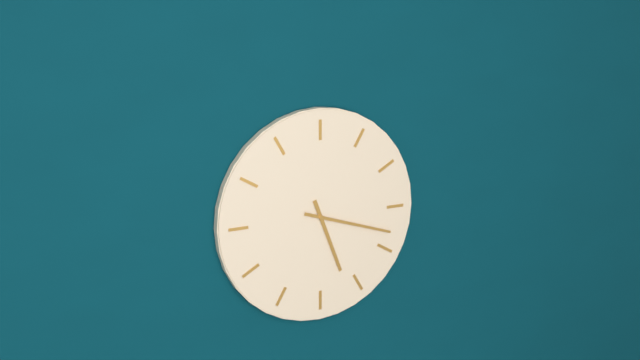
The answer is 5h18
